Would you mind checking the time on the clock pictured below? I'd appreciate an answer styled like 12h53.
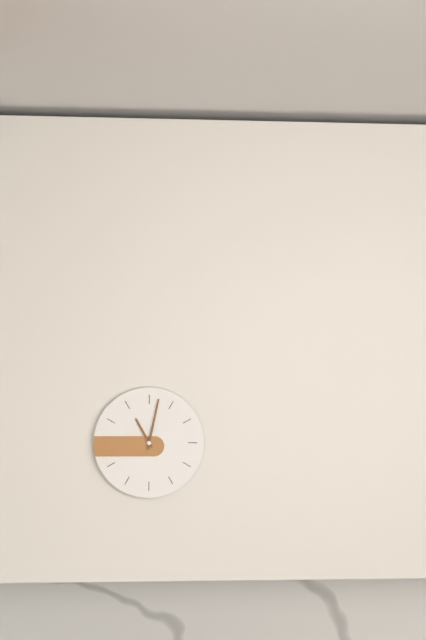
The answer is 11h02
